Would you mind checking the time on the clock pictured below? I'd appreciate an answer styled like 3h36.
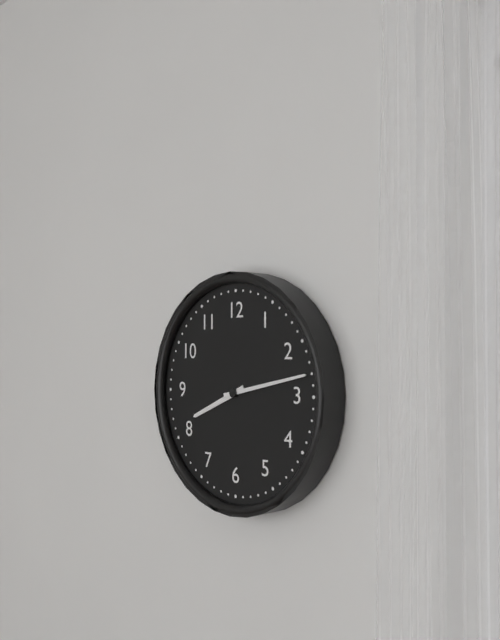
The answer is 8h13
